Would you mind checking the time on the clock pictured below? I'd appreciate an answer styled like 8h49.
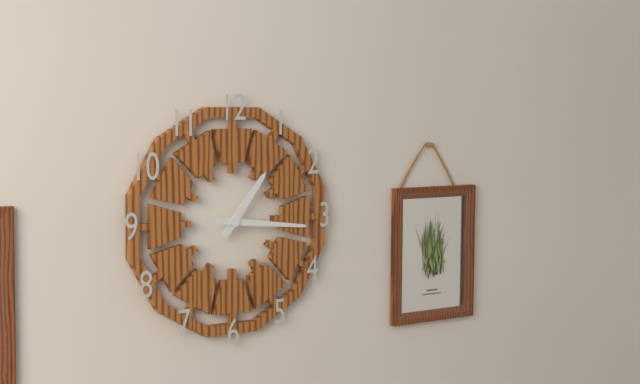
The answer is 1h16
